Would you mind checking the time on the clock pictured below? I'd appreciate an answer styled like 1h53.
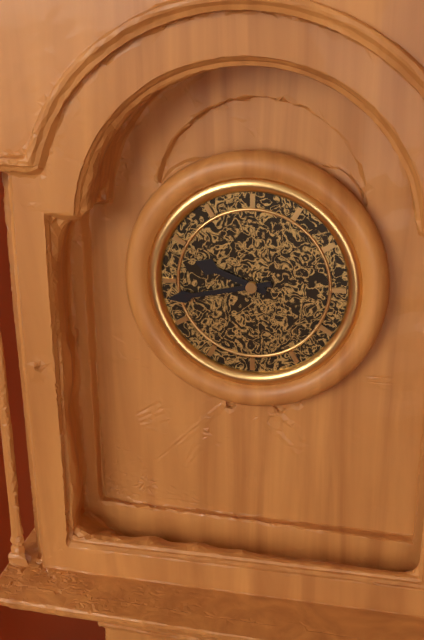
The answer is 9h43
